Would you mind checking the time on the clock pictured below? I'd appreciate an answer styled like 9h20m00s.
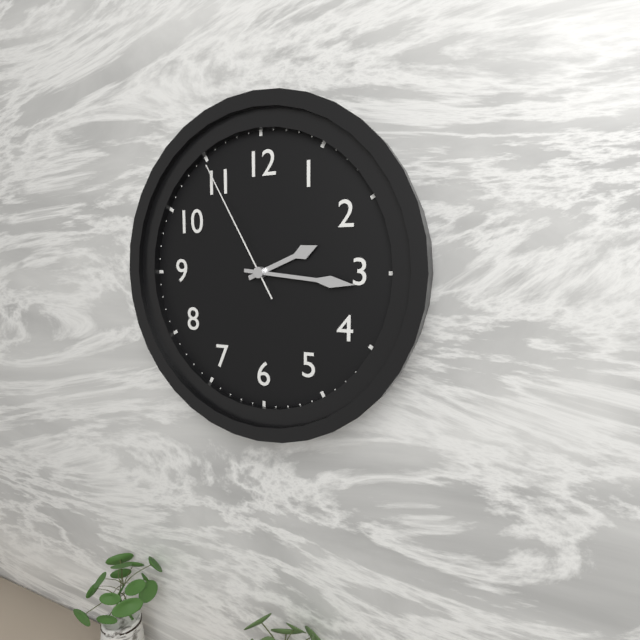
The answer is 2h16m55s
